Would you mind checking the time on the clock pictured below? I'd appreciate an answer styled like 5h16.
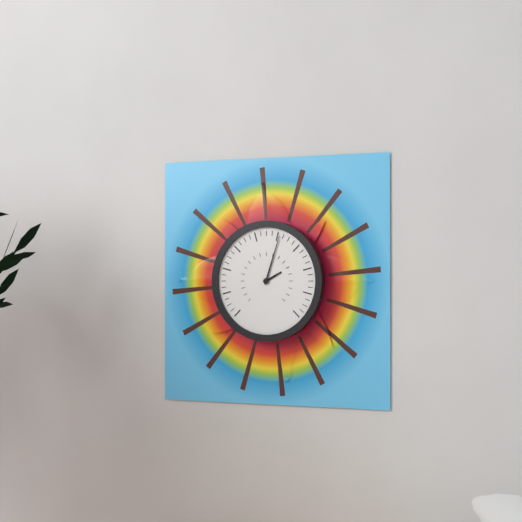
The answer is 2h03
